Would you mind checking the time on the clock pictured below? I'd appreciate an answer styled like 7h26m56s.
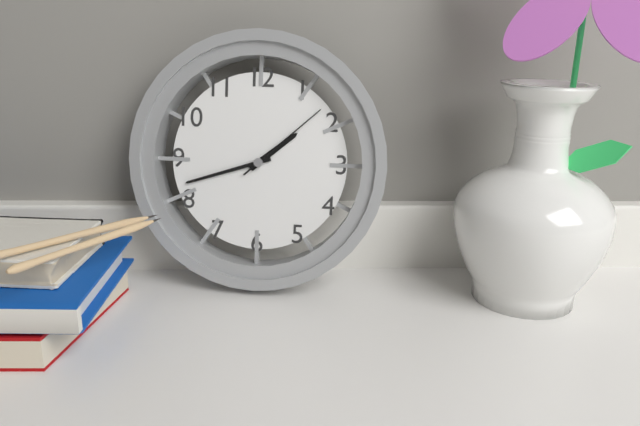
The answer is 1h42m08s
